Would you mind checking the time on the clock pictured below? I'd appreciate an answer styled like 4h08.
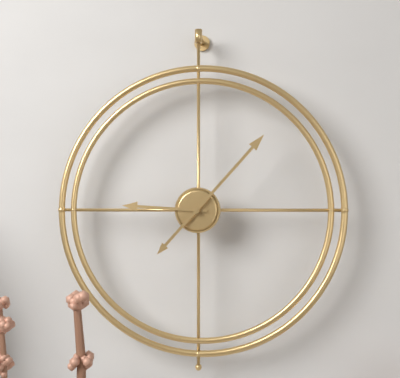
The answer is 9h07
